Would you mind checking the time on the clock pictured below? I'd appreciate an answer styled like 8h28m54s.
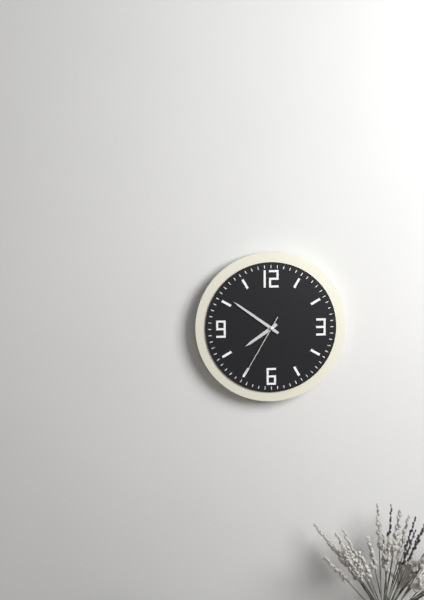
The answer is 7h51m35s
